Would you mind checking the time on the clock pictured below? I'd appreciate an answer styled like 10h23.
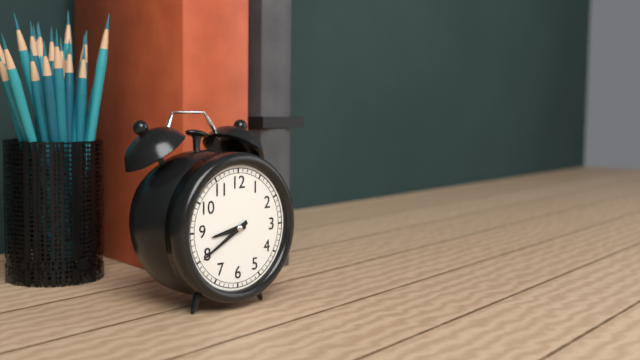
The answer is 8h40
